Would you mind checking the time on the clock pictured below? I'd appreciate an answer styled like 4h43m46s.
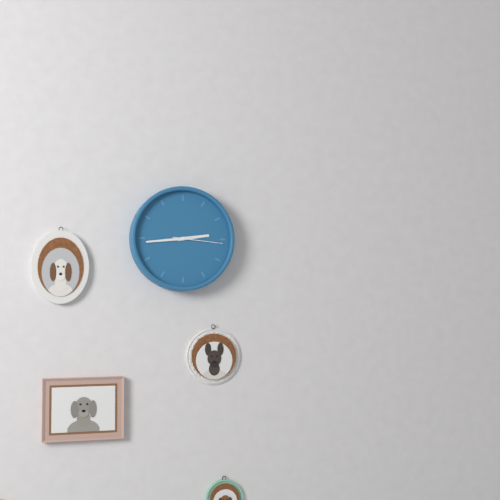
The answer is 2h44m16s
